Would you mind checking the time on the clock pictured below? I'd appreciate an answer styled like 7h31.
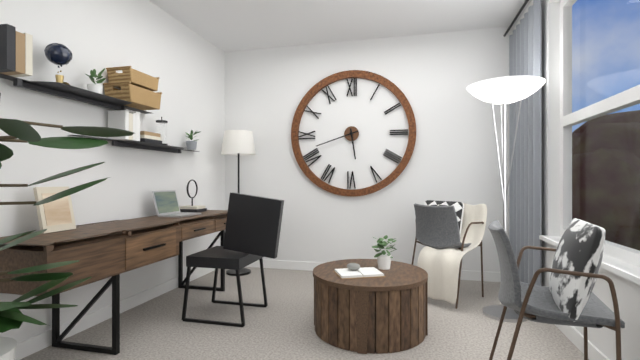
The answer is 5h42
